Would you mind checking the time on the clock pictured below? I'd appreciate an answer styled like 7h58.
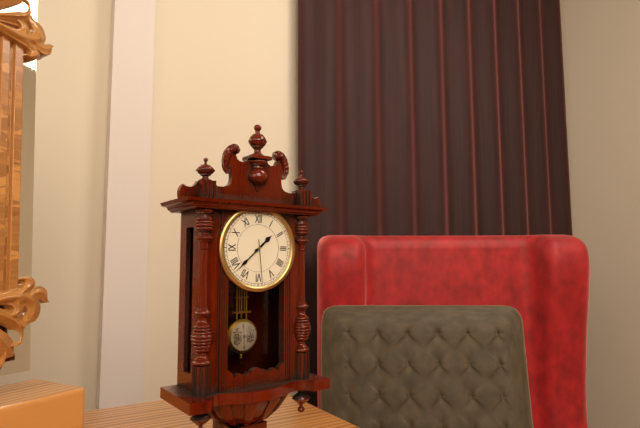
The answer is 1h38
